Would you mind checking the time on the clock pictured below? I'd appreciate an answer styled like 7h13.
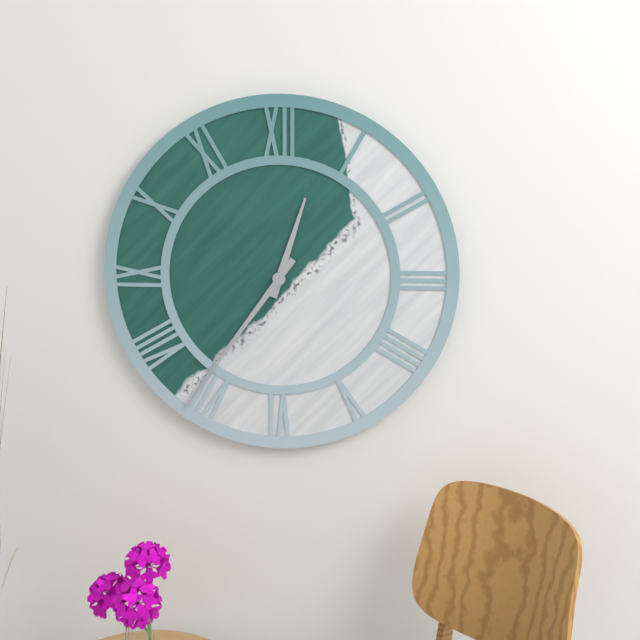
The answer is 12h36
